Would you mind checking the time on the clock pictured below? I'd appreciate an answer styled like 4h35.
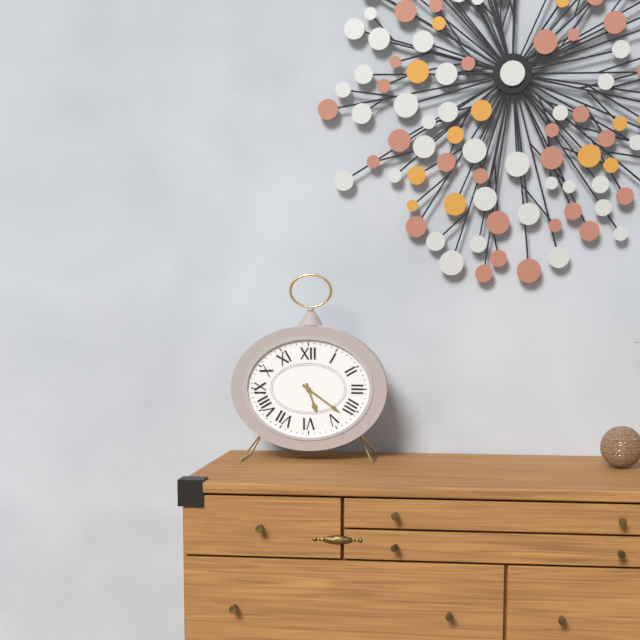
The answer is 5h21
